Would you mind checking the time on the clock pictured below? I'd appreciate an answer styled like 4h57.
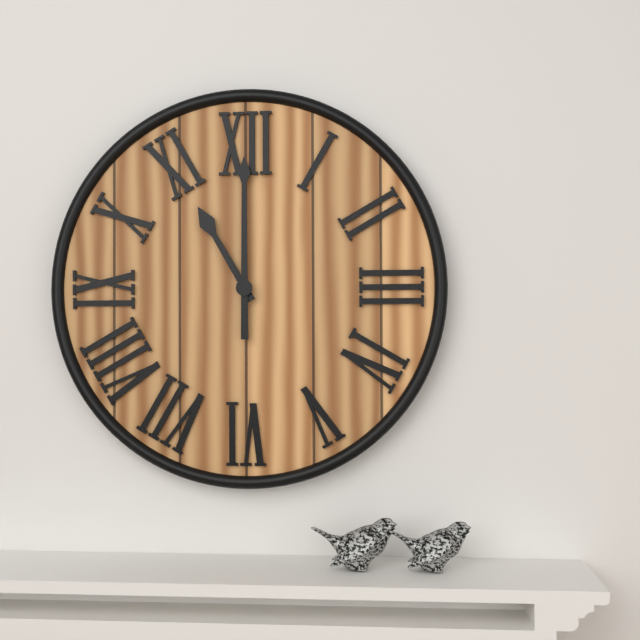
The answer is 11h00
